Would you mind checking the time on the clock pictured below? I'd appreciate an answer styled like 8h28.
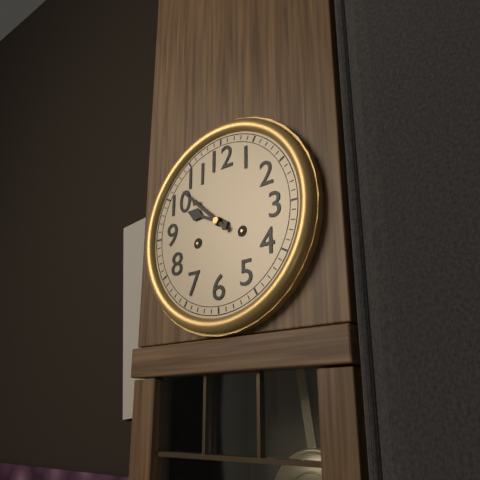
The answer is 9h52
